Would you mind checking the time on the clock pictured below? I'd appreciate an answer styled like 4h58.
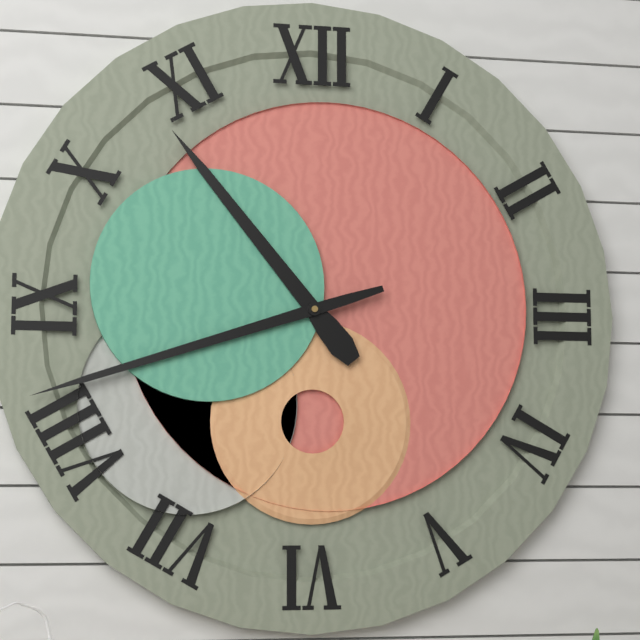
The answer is 10h42
